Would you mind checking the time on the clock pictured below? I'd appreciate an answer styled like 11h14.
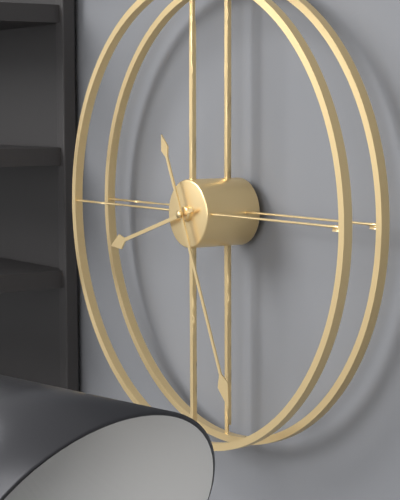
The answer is 8h26
